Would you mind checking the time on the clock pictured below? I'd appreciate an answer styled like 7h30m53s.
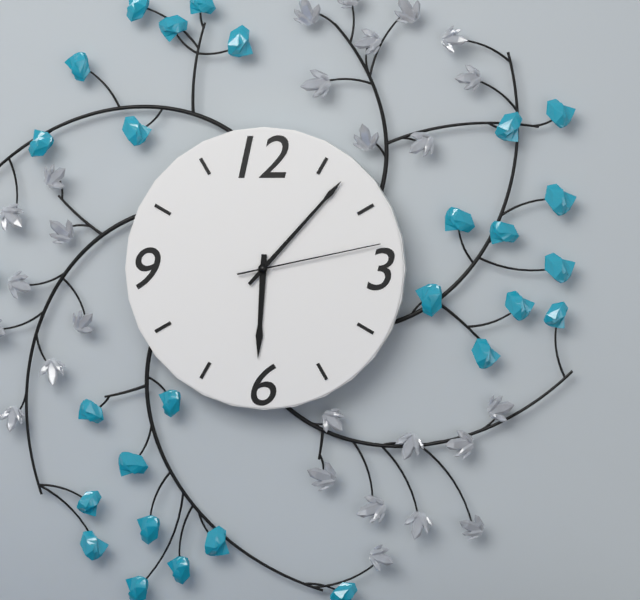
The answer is 6h07m13s
